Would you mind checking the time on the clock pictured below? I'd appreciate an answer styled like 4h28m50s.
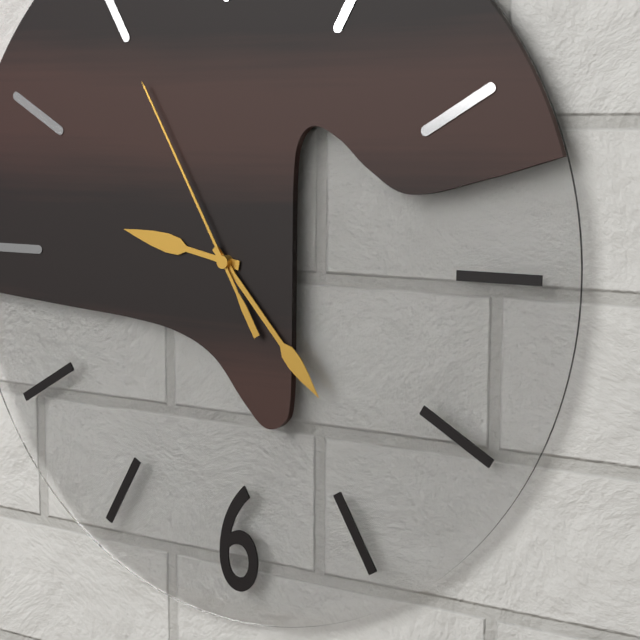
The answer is 9h23m55s
